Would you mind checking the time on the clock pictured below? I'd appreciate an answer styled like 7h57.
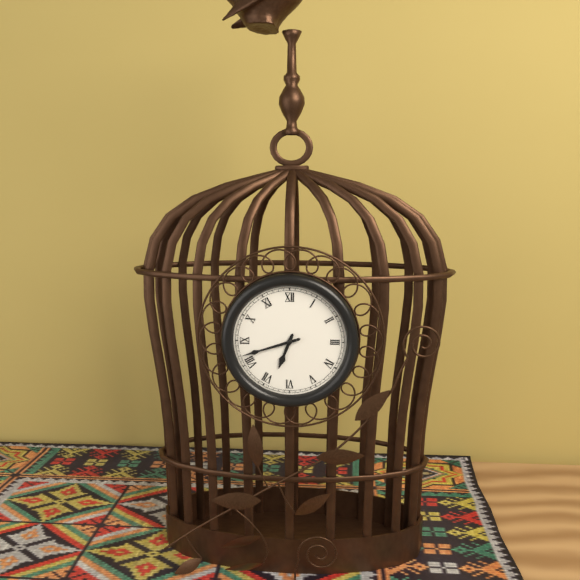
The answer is 6h42
